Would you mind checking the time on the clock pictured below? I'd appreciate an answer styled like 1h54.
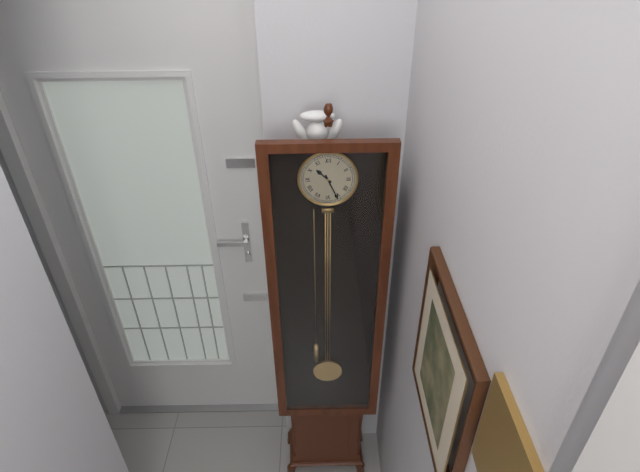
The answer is 10h26
